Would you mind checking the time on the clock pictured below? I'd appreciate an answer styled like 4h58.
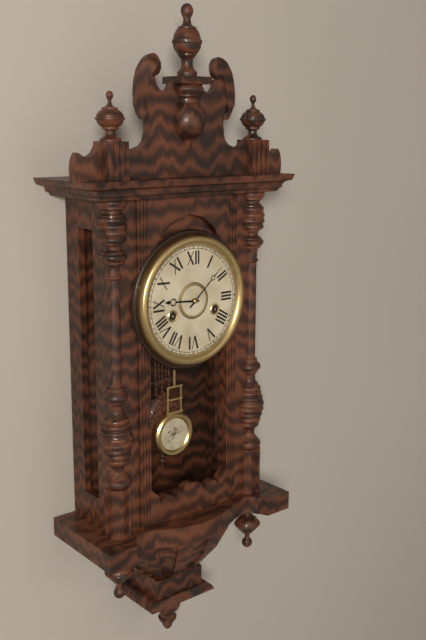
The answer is 9h08
